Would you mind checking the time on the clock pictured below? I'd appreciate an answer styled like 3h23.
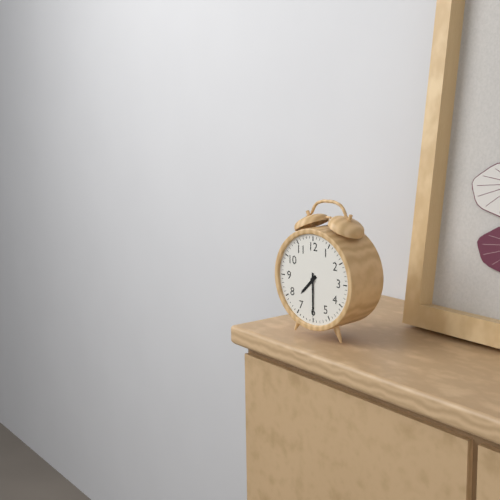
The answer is 7h30
